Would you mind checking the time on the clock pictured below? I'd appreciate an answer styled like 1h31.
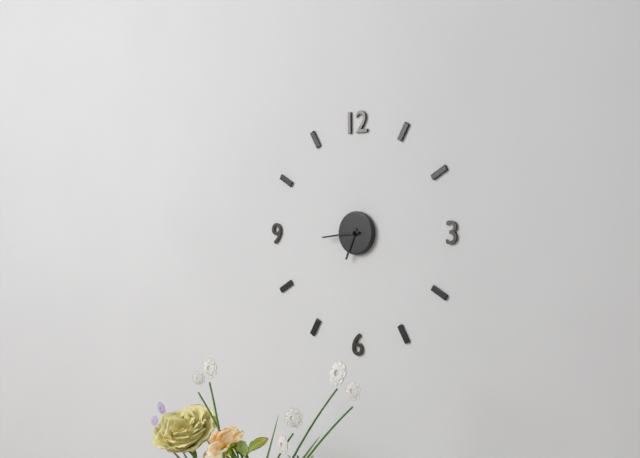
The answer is 6h44
